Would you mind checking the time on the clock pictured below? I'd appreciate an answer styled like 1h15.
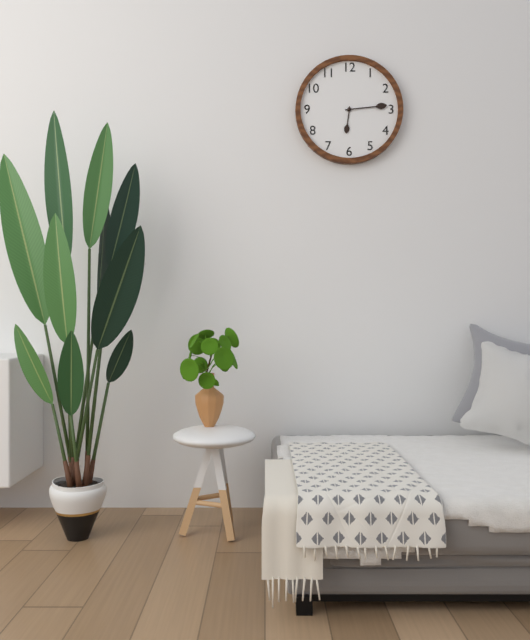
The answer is 6h14
